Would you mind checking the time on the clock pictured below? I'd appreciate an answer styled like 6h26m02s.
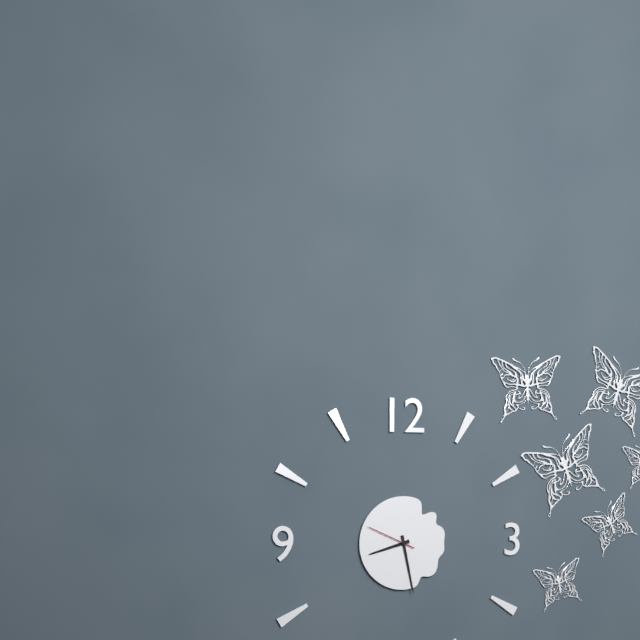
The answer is 8h28m49s
